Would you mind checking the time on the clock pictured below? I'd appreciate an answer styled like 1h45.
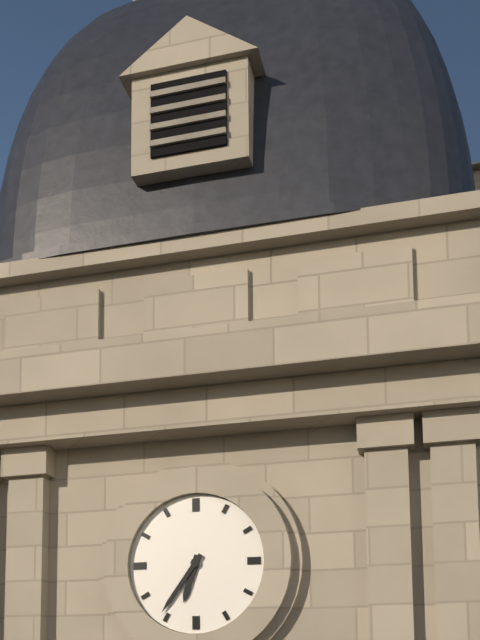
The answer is 6h36
